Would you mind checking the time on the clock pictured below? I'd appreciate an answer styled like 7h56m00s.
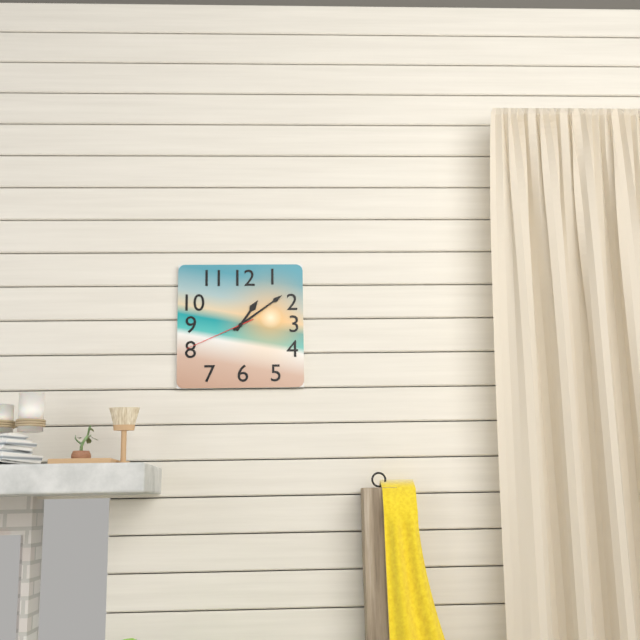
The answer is 1h09m41s
